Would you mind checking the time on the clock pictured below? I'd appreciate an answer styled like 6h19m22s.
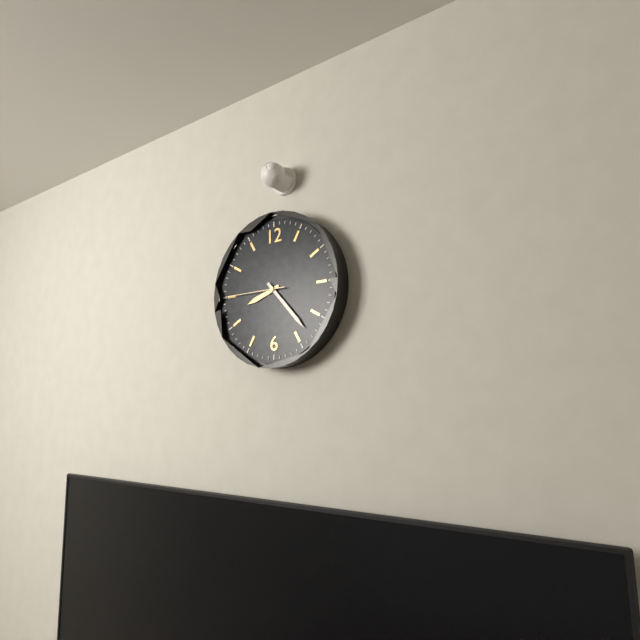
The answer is 8h23m45s
